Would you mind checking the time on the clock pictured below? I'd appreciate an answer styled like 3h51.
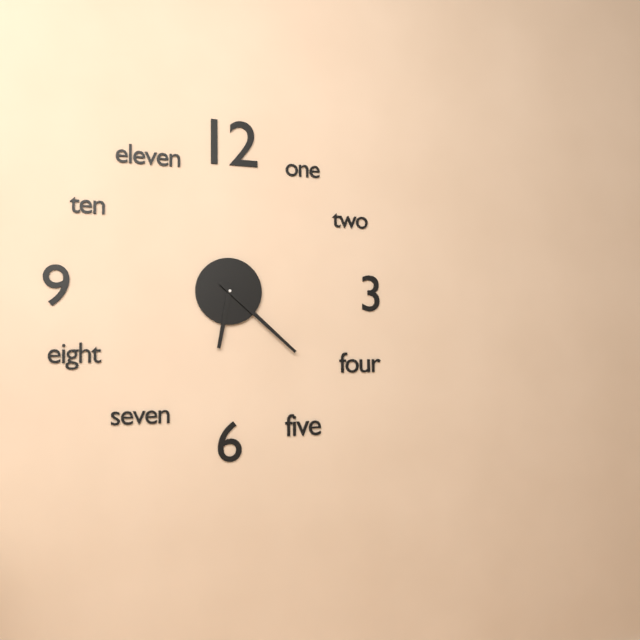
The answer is 6h22
